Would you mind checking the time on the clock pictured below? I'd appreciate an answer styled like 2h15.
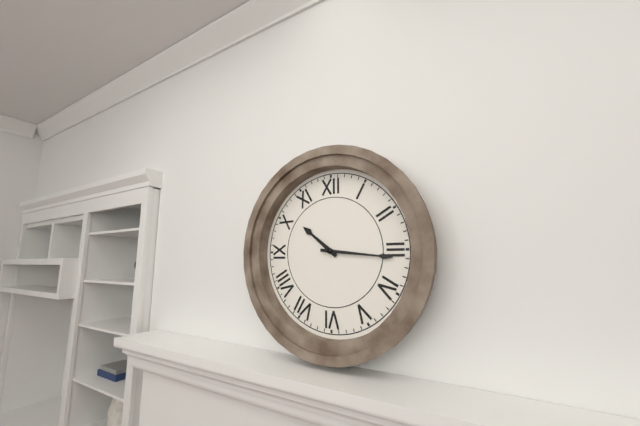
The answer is 10h16
